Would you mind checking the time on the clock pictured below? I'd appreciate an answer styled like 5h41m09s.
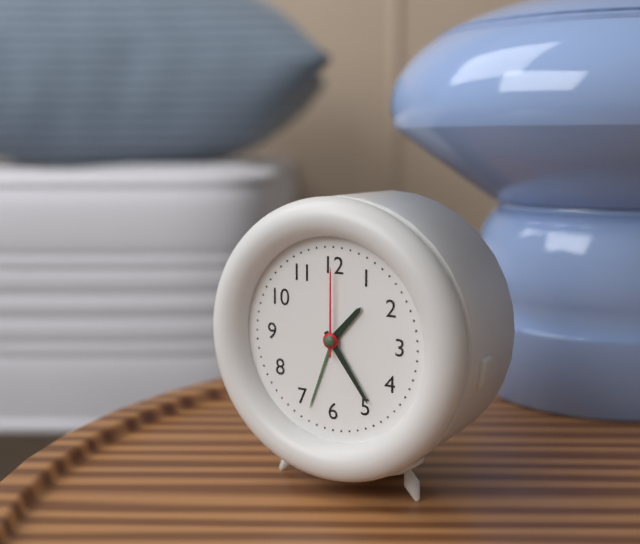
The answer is 1h24m00s
